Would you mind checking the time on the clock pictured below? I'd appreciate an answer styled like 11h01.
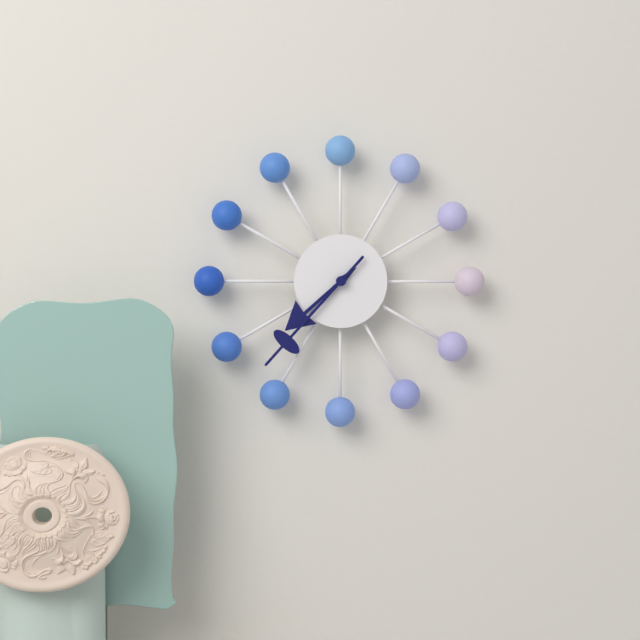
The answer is 7h37
